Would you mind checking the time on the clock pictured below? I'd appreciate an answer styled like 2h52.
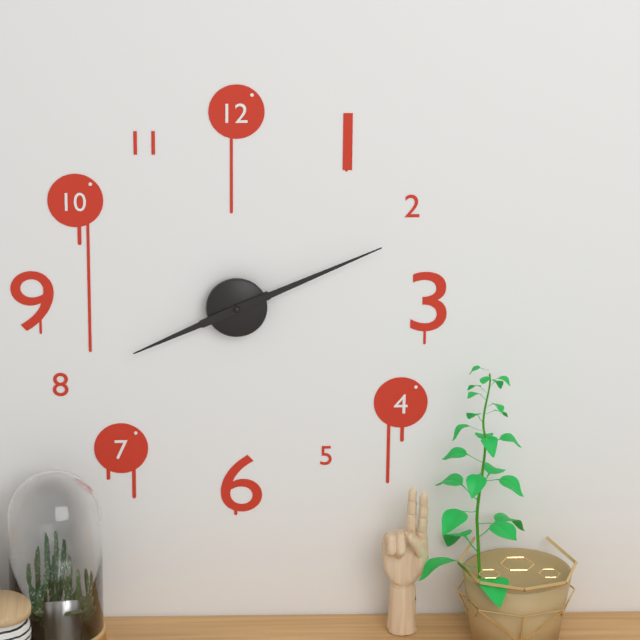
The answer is 8h11
